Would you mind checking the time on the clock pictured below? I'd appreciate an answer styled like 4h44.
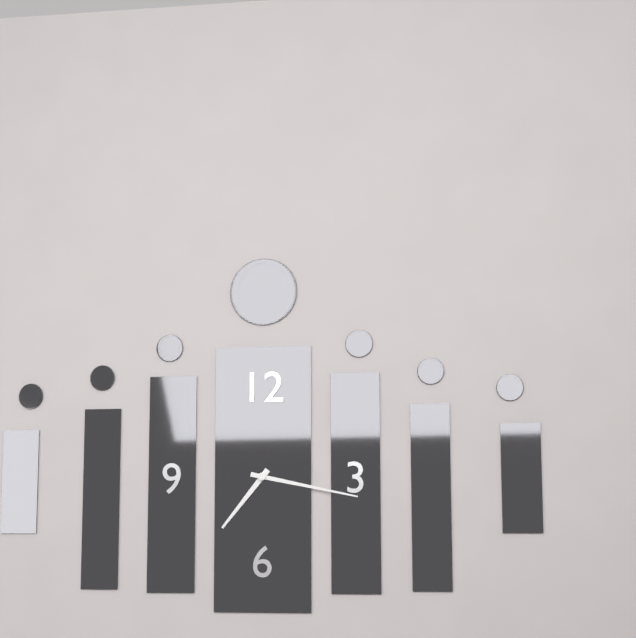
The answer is 7h17
